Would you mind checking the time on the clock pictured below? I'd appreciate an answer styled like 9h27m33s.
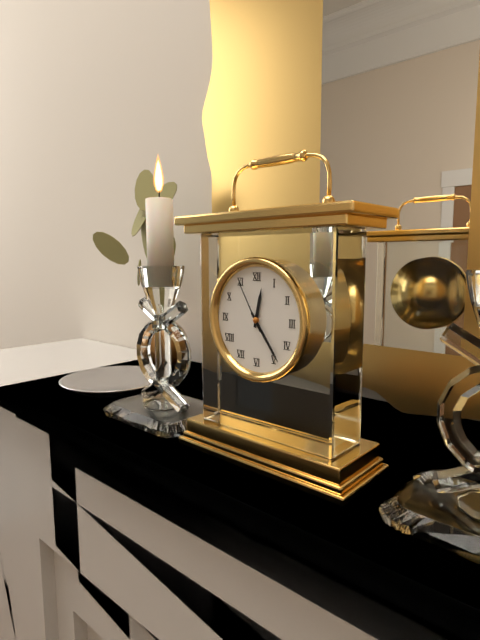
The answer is 12h24m55s
